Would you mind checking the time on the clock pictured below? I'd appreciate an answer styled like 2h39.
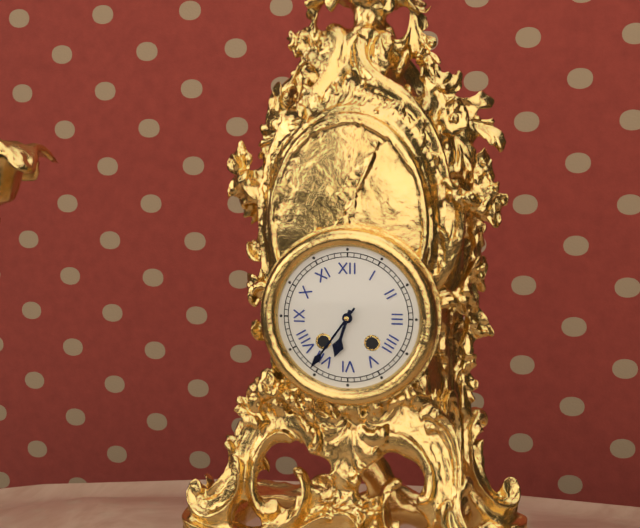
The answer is 6h36
